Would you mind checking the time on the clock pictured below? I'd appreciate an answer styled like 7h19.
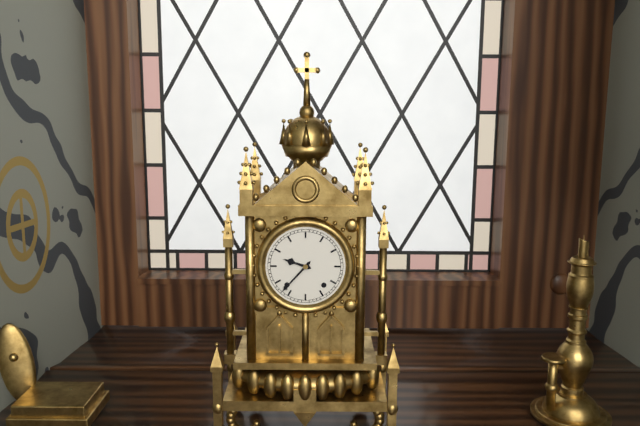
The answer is 9h37
